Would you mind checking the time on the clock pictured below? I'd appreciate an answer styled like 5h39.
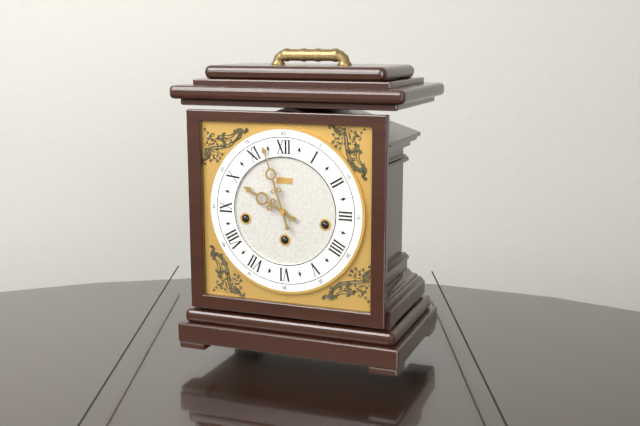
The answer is 9h57
